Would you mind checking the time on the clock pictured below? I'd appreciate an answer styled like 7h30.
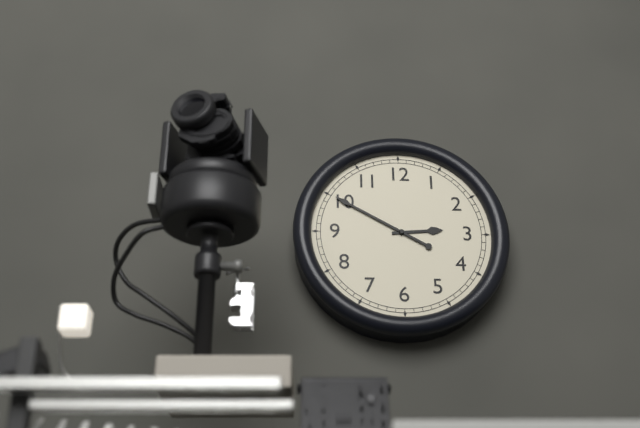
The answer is 2h50
